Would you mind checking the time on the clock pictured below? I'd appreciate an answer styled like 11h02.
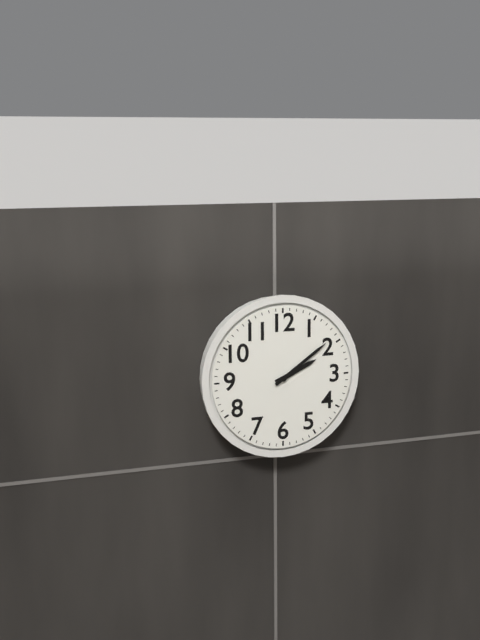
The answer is 2h09
